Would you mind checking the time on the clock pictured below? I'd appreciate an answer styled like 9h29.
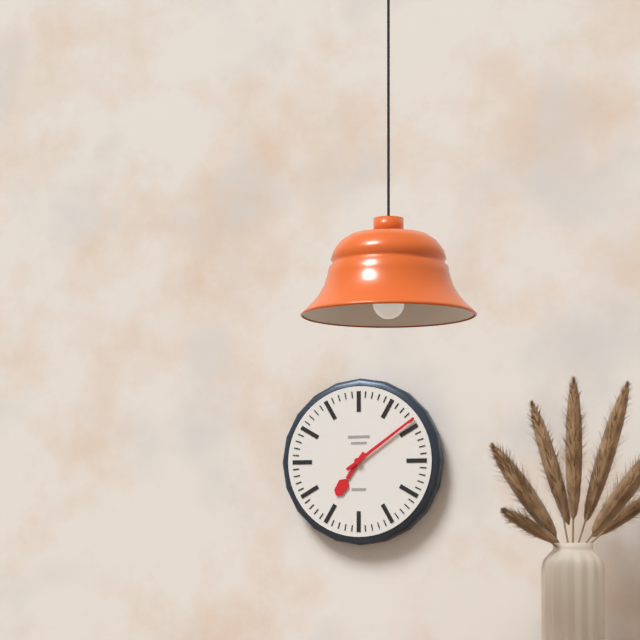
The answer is 7h09
